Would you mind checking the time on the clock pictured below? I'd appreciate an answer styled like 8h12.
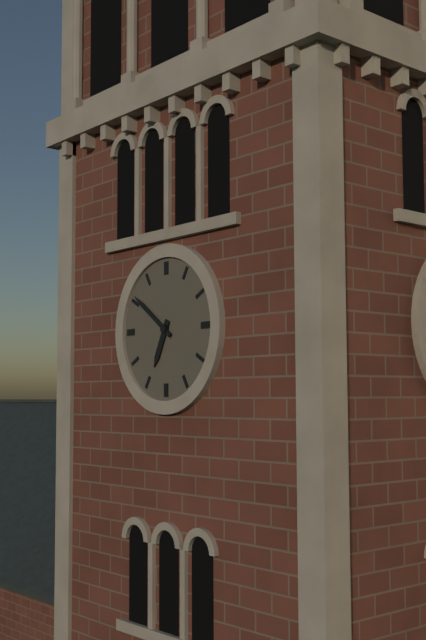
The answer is 6h51
